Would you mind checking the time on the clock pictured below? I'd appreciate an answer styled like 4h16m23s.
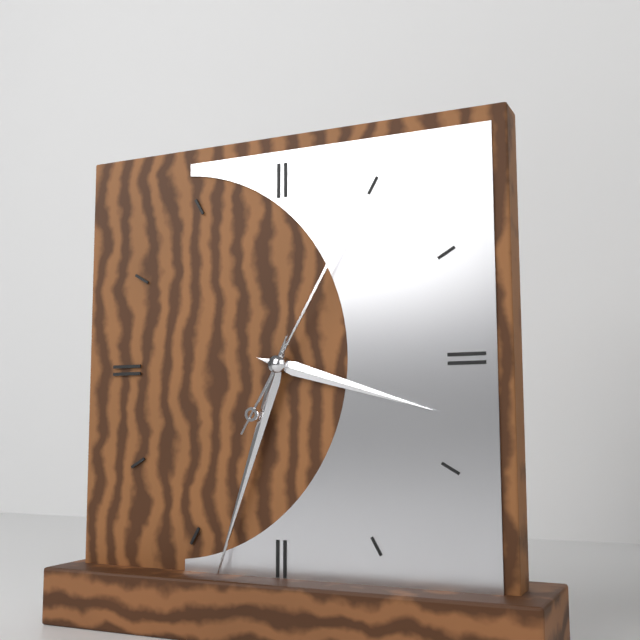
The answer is 3h33m05s
